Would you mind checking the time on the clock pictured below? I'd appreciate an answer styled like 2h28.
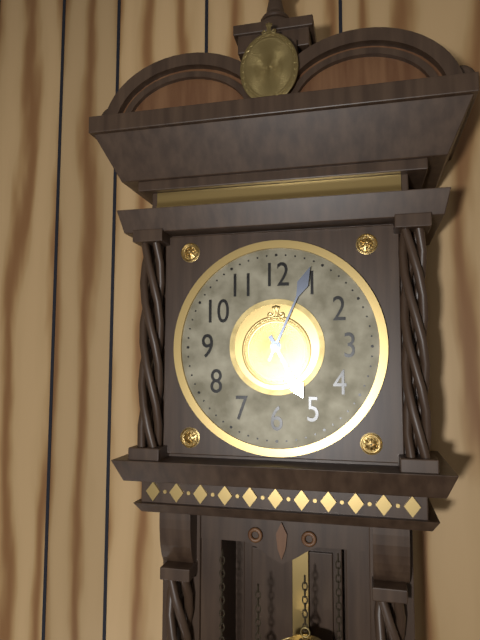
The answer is 5h04
